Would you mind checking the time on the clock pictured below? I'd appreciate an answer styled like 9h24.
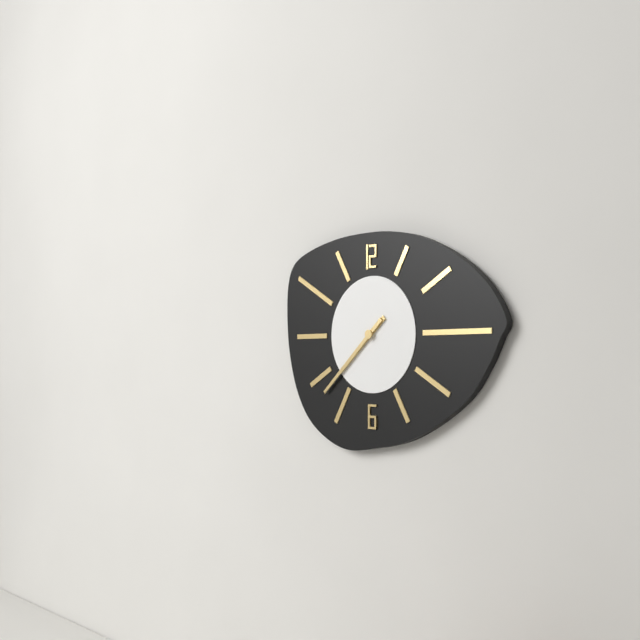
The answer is 7h38
